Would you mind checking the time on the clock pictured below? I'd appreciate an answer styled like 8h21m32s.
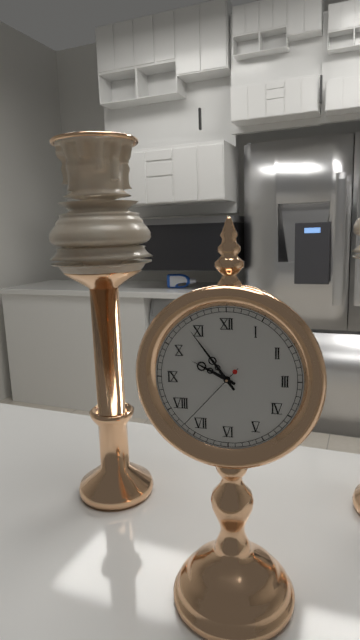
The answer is 9h54m37s
